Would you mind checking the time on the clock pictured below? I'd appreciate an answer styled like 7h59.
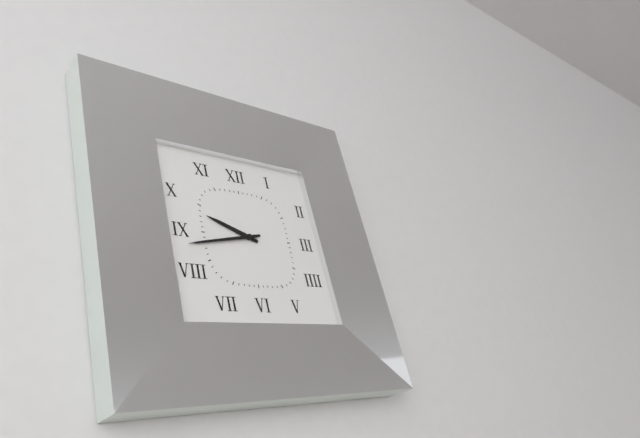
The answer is 9h43
